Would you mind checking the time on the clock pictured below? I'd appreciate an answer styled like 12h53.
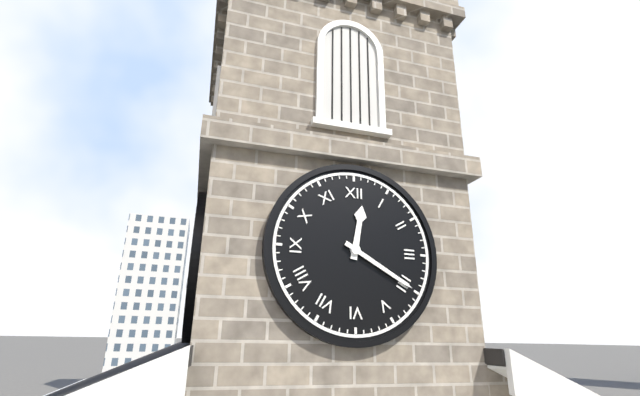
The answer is 12h20
